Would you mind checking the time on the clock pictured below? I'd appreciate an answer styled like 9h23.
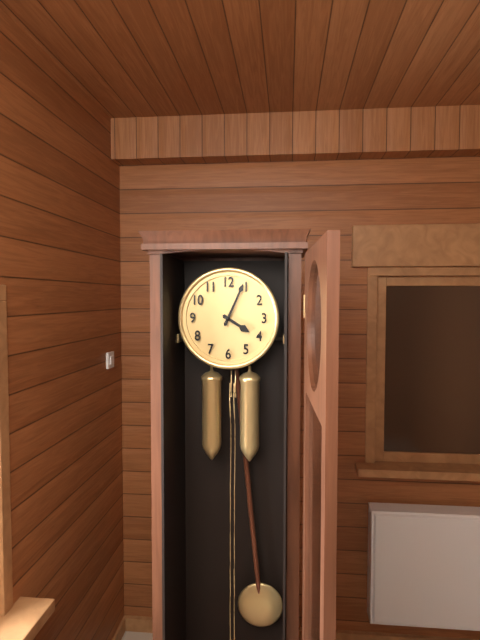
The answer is 4h04
